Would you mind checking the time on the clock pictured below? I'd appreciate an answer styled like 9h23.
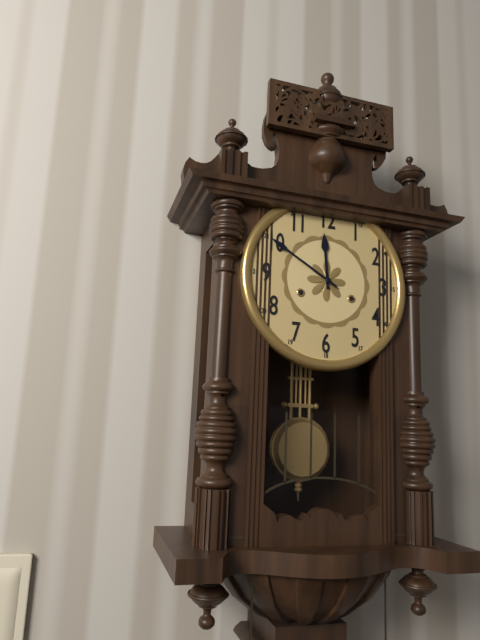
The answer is 11h50
